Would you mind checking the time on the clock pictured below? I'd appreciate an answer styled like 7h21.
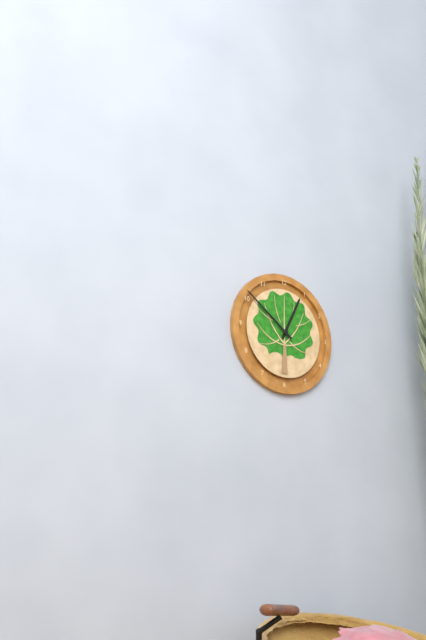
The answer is 12h51
